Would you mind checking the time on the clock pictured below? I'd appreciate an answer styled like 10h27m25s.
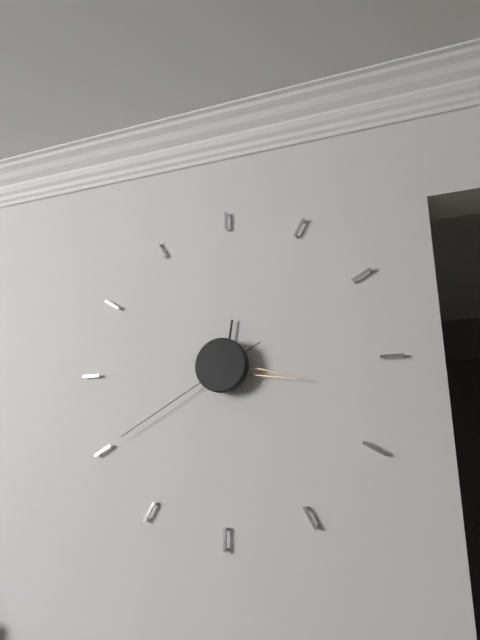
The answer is 12h17m40s
